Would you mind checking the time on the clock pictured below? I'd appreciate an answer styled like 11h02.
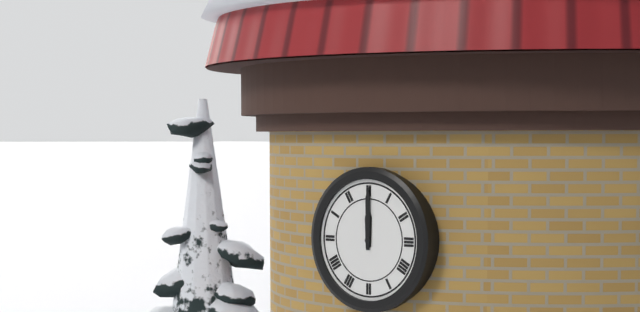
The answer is 12h00
